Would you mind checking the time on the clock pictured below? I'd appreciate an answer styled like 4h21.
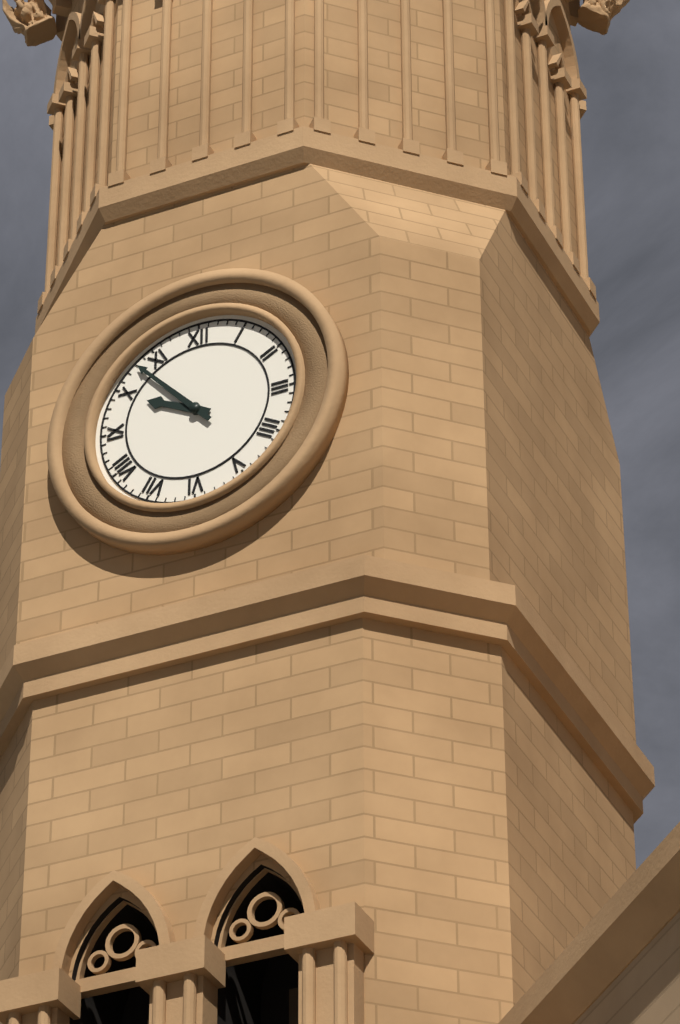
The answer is 9h53
